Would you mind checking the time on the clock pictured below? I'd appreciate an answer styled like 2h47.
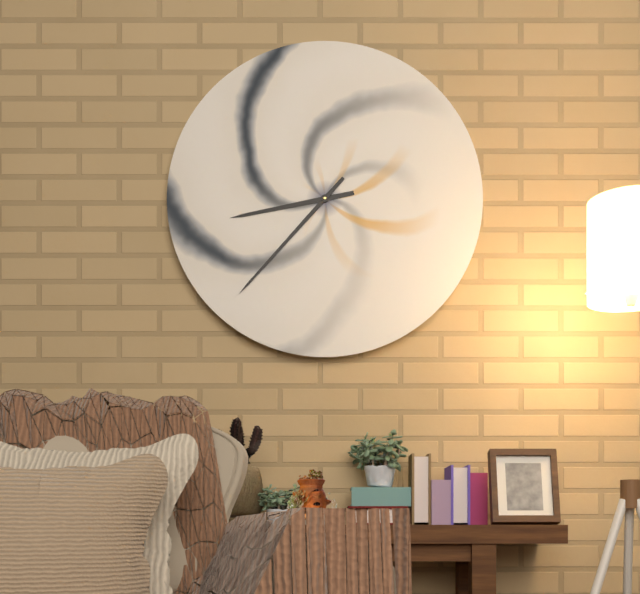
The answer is 8h37
